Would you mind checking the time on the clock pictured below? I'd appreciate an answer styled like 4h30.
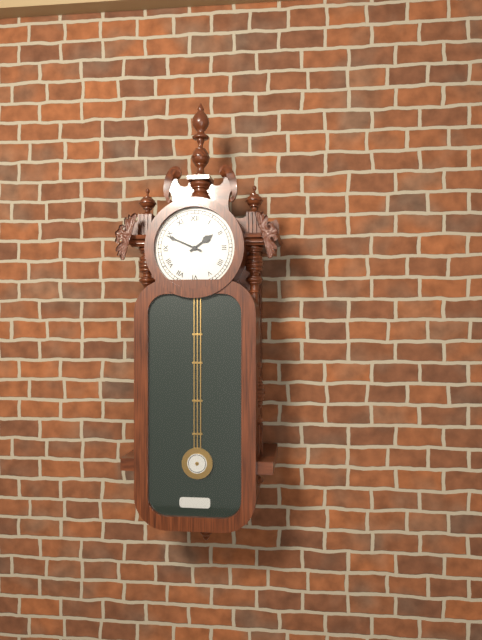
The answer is 1h49
